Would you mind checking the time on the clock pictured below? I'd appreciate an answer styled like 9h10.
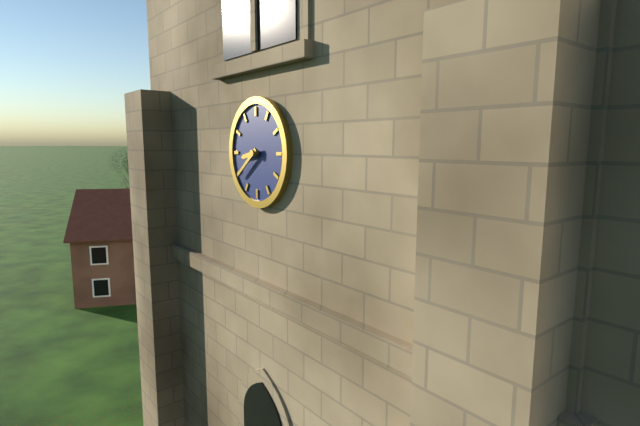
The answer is 8h39
